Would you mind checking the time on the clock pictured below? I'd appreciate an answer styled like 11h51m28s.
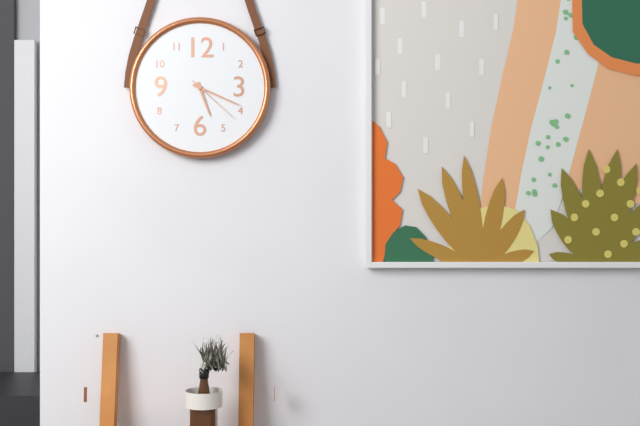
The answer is 5h19m22s
